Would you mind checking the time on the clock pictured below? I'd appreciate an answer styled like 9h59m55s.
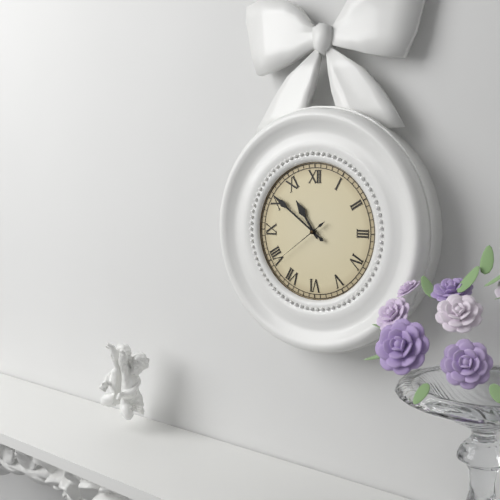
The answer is 10h51m39s
